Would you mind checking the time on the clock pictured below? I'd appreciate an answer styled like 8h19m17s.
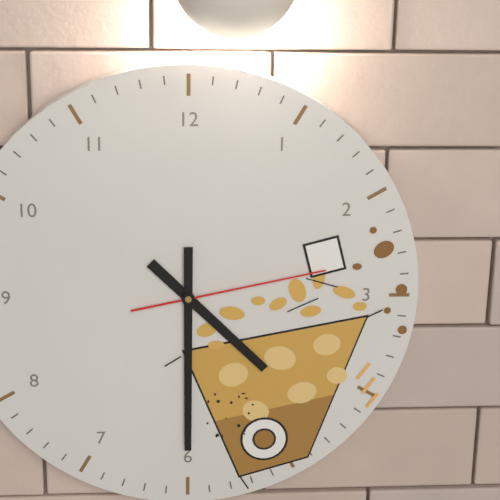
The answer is 4h30m13s
